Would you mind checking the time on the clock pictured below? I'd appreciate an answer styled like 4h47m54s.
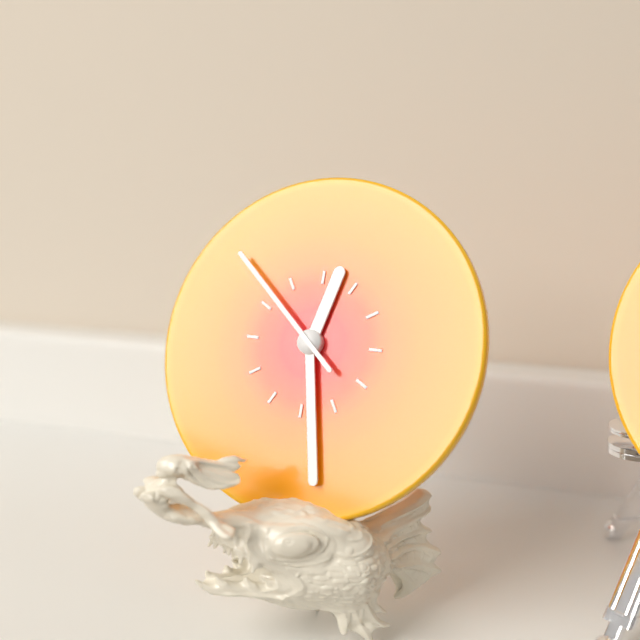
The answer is 12h28m52s
